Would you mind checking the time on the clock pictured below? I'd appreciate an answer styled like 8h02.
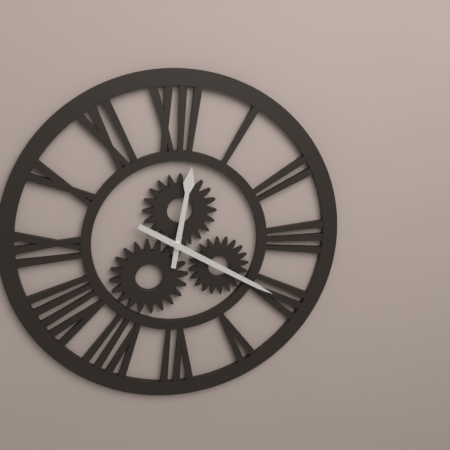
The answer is 12h20
